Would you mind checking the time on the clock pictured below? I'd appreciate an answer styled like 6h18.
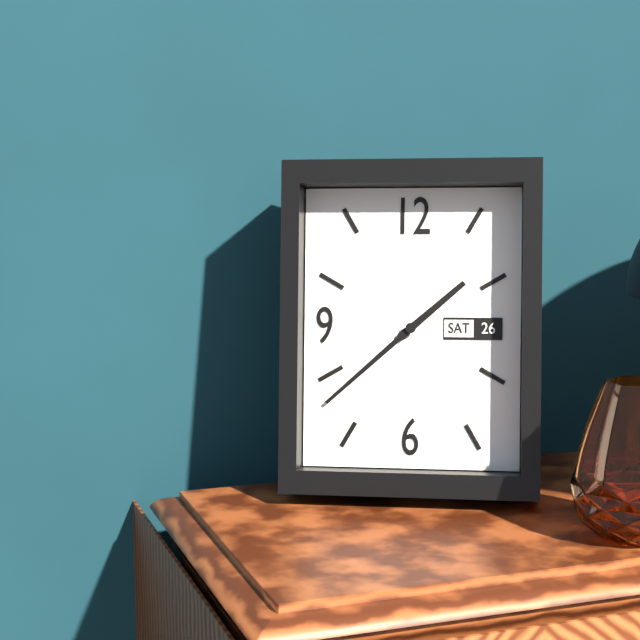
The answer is 1h38
